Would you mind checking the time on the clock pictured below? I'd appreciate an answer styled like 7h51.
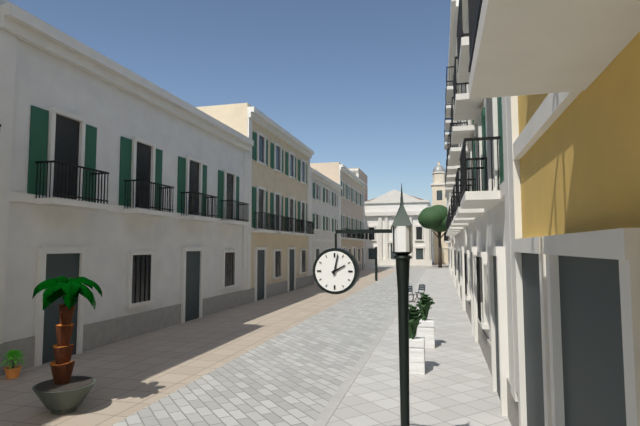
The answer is 2h02
